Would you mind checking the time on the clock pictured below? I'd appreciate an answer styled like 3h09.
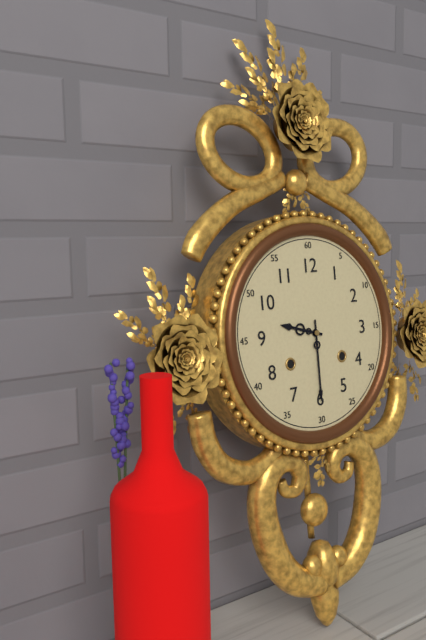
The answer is 9h30
